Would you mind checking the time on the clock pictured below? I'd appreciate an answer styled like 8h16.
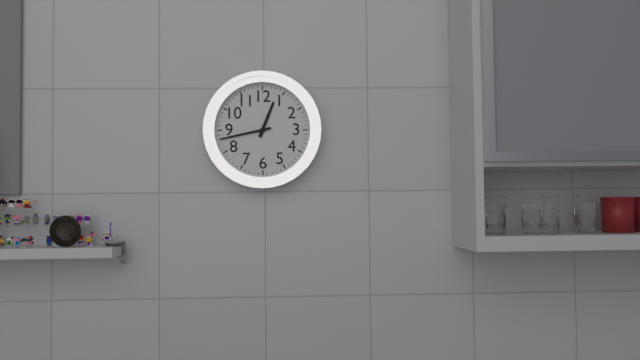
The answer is 12h43
